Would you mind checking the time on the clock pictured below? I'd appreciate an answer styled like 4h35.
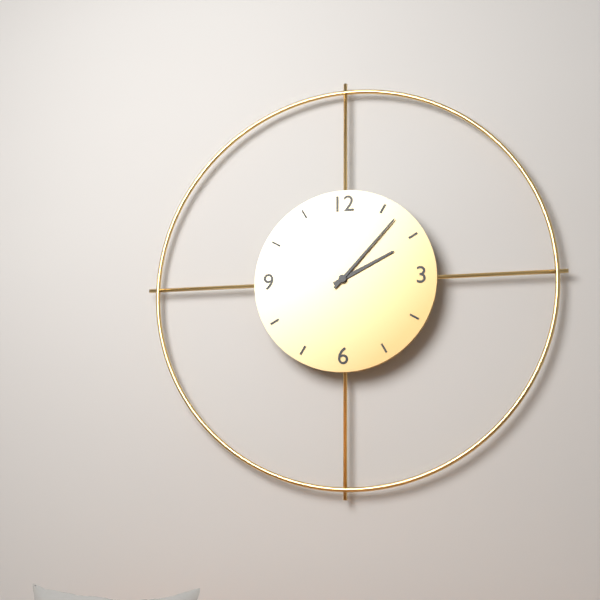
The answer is 2h07
